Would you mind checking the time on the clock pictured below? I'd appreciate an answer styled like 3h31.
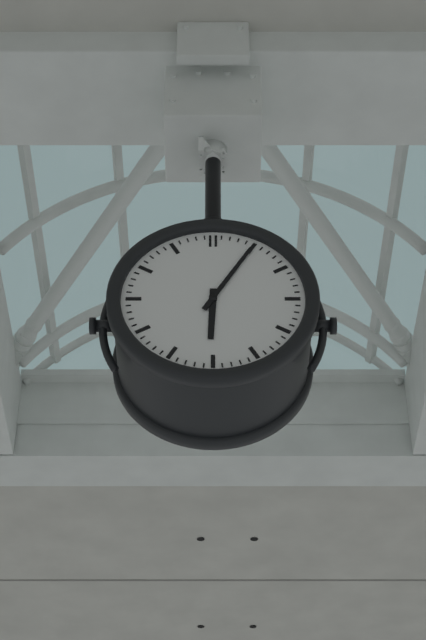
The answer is 6h05
